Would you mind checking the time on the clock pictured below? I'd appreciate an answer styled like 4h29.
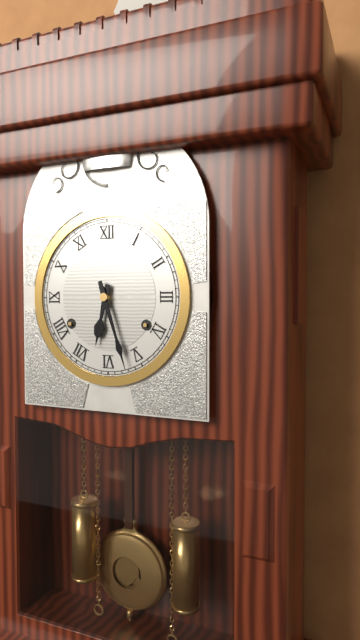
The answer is 6h27
